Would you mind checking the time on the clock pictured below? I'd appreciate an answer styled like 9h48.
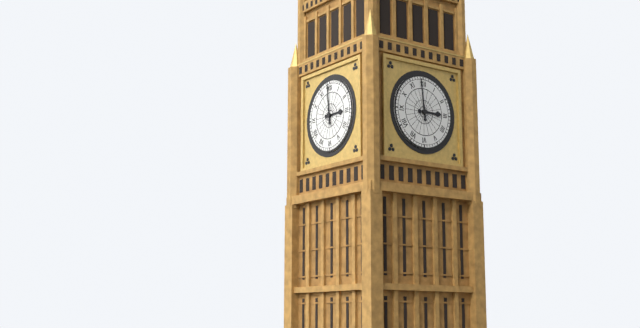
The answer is 2h59
